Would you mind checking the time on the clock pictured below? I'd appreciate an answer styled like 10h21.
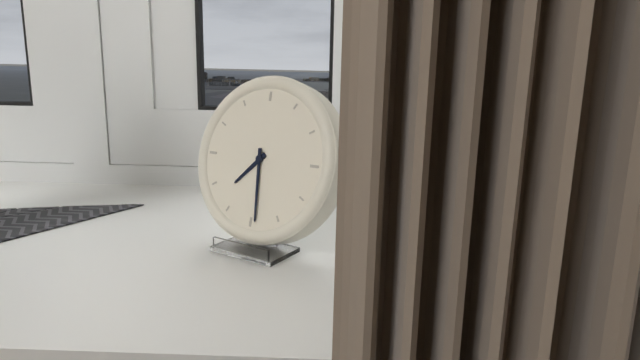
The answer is 7h29
